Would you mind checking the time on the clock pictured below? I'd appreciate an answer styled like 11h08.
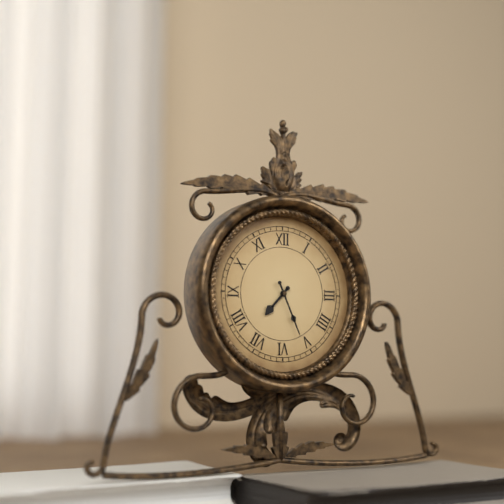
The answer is 7h26
